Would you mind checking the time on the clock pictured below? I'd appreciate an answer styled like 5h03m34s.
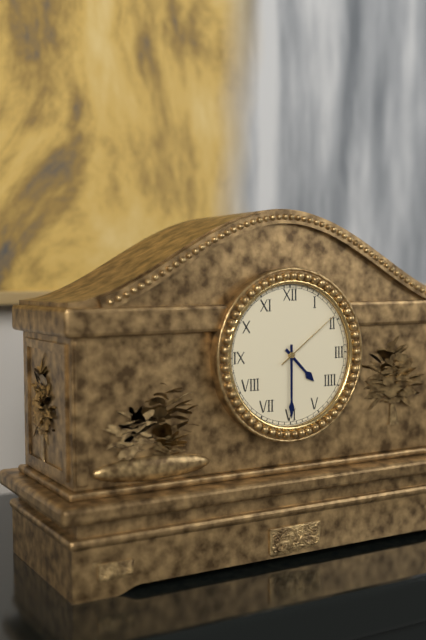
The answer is 4h30m09s
